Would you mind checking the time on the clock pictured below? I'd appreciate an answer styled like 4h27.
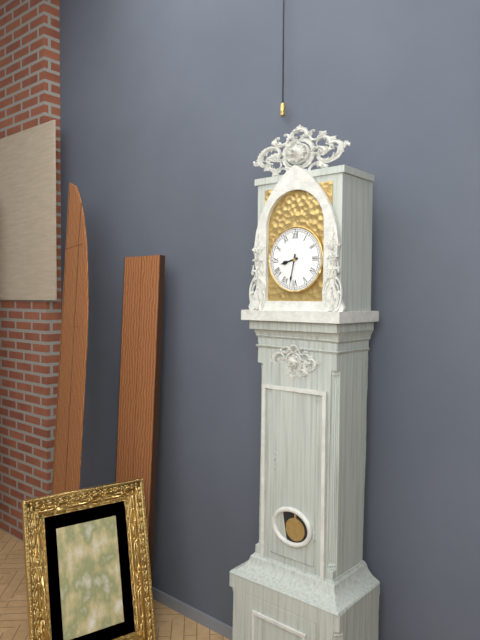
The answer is 8h32
